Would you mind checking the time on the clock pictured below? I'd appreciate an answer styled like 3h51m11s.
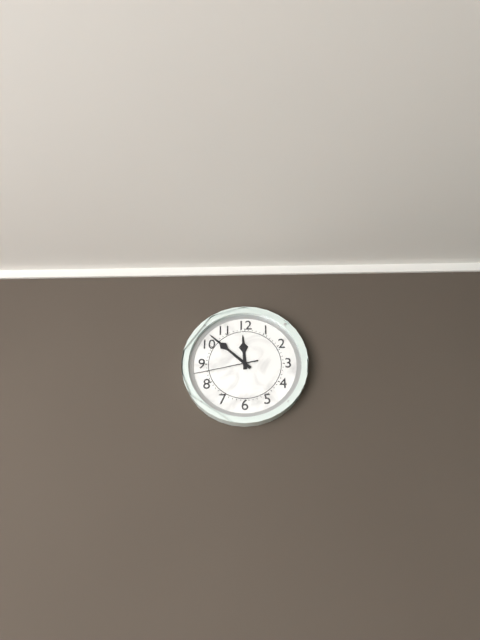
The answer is 11h52m43s
